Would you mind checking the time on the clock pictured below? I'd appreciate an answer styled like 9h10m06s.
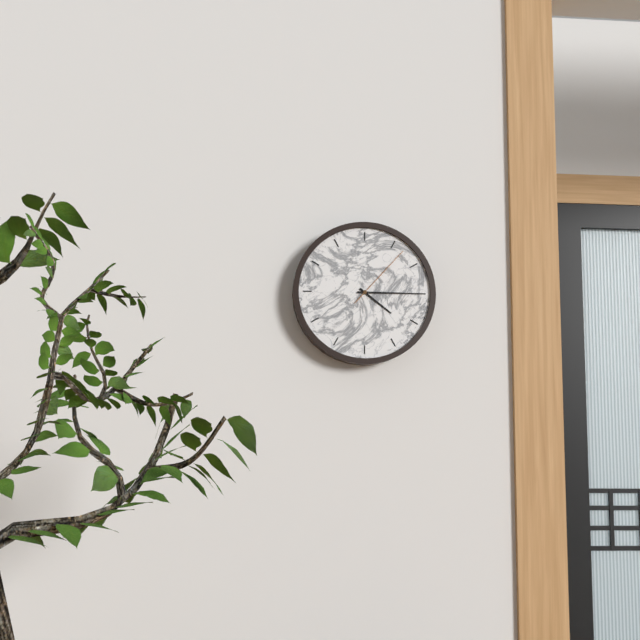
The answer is 4h15m07s
